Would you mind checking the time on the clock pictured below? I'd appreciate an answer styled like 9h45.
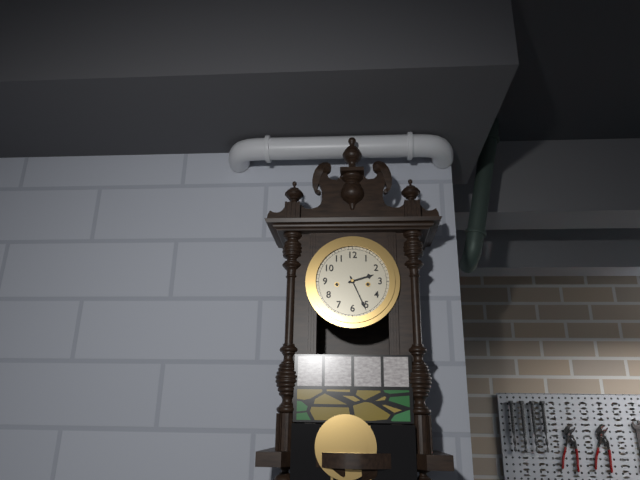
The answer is 2h26
